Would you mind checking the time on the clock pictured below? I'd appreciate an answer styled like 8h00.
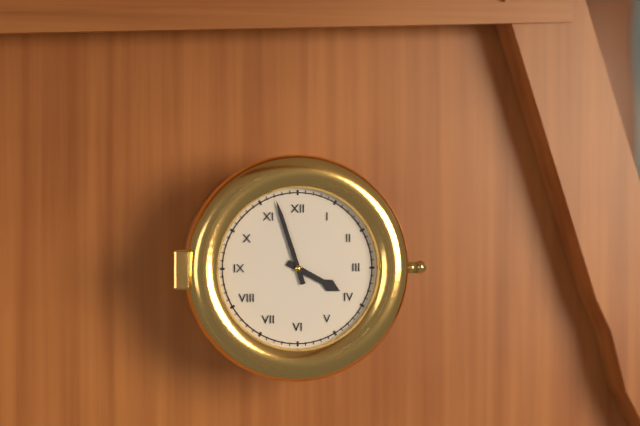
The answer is 3h57
